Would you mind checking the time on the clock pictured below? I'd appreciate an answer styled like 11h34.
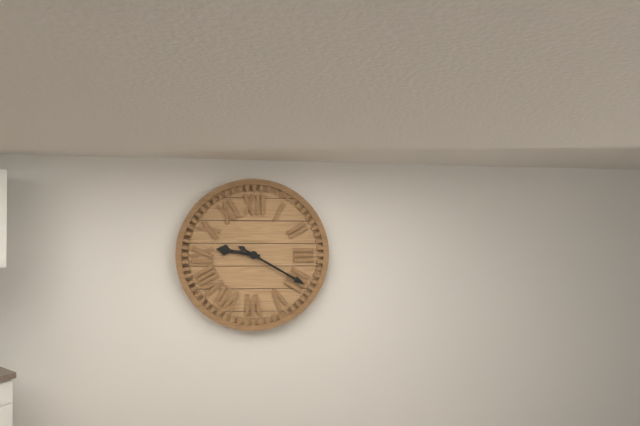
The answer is 9h20
